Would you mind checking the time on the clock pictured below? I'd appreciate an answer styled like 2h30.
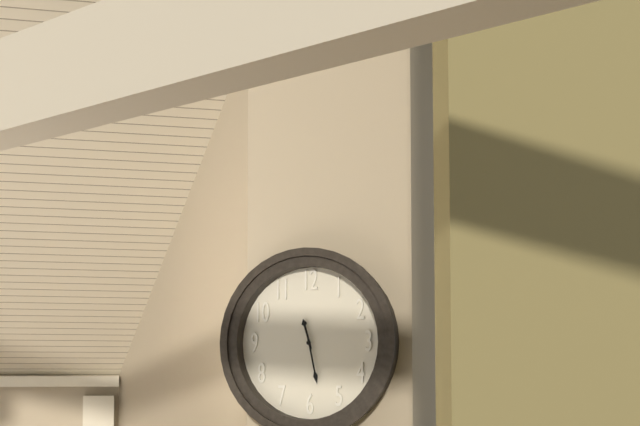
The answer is 11h28
